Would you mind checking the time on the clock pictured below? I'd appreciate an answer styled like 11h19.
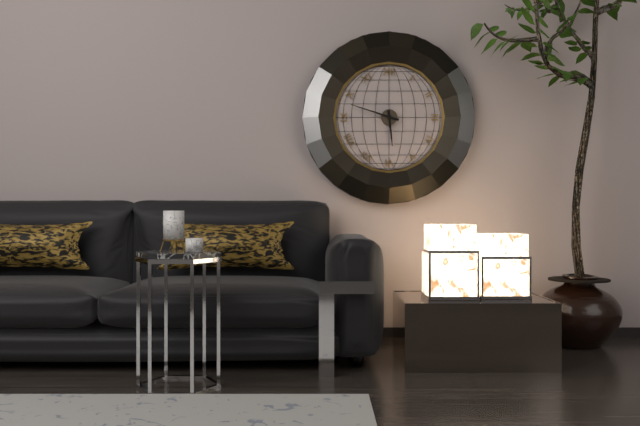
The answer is 5h48
